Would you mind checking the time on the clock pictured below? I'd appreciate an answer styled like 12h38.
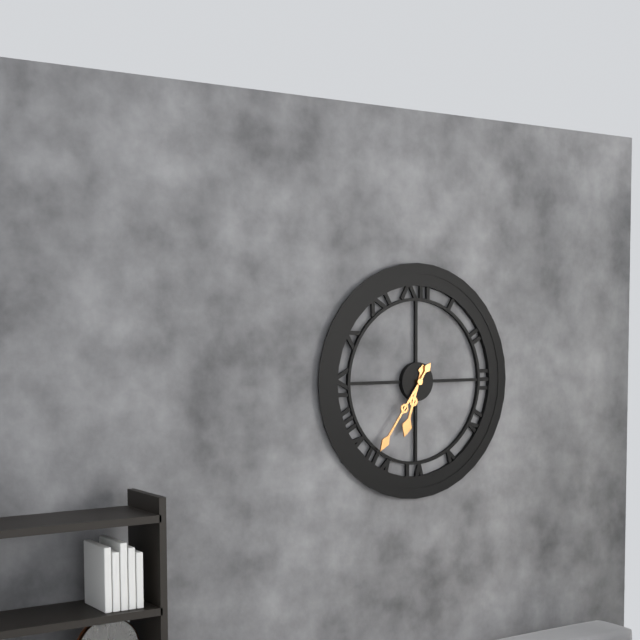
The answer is 6h36
